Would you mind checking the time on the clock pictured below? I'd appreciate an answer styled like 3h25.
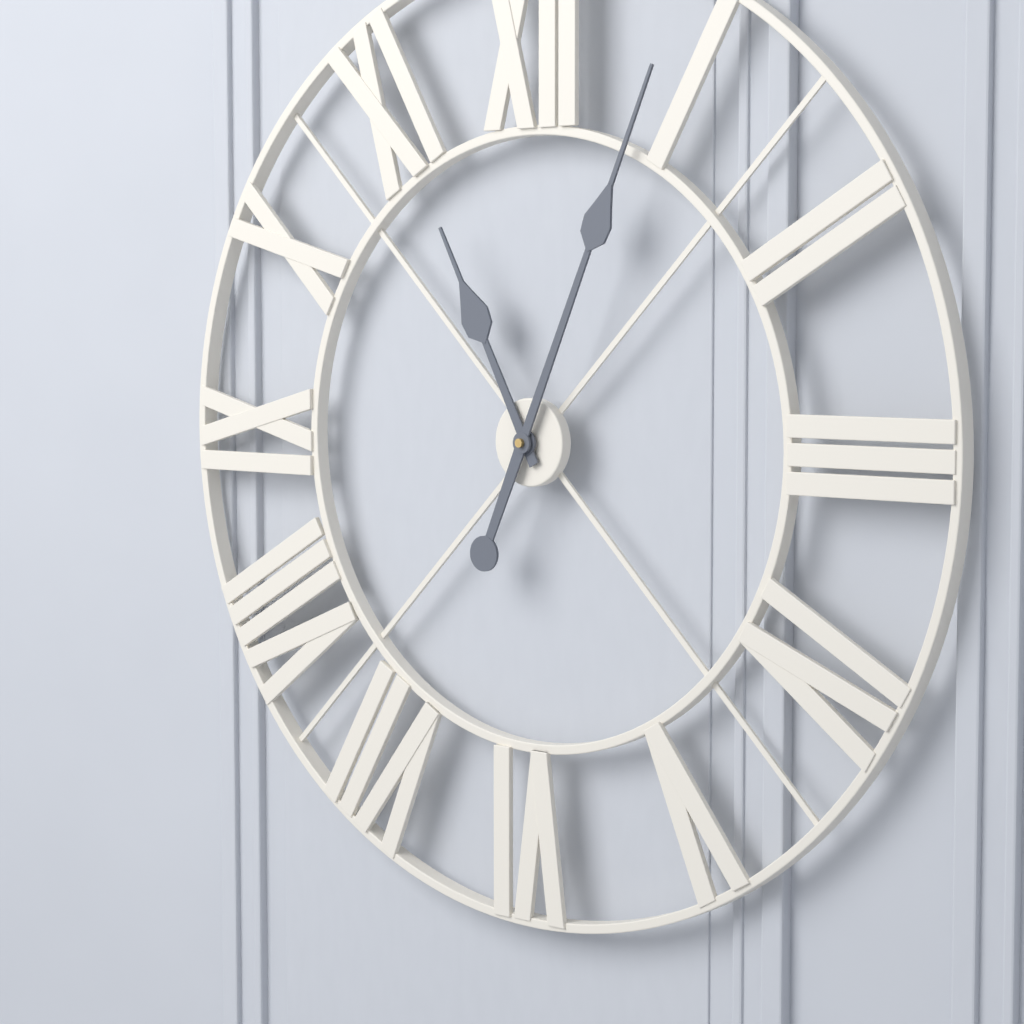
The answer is 11h04
